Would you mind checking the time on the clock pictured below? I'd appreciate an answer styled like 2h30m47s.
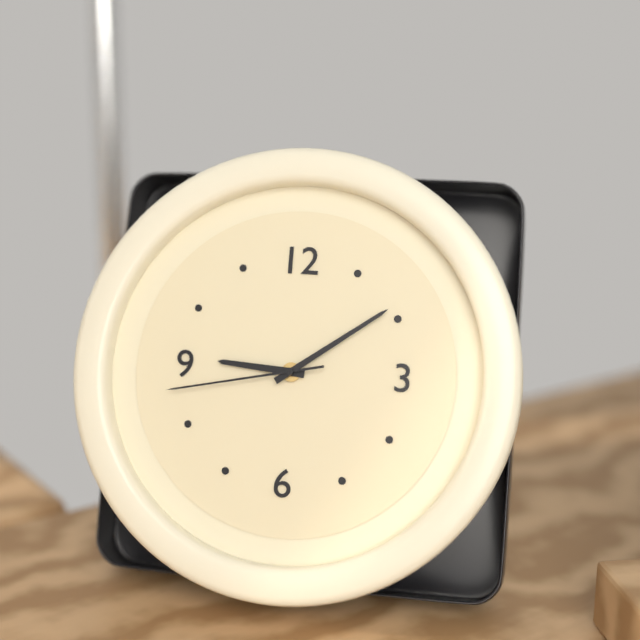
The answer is 9h09m43s
